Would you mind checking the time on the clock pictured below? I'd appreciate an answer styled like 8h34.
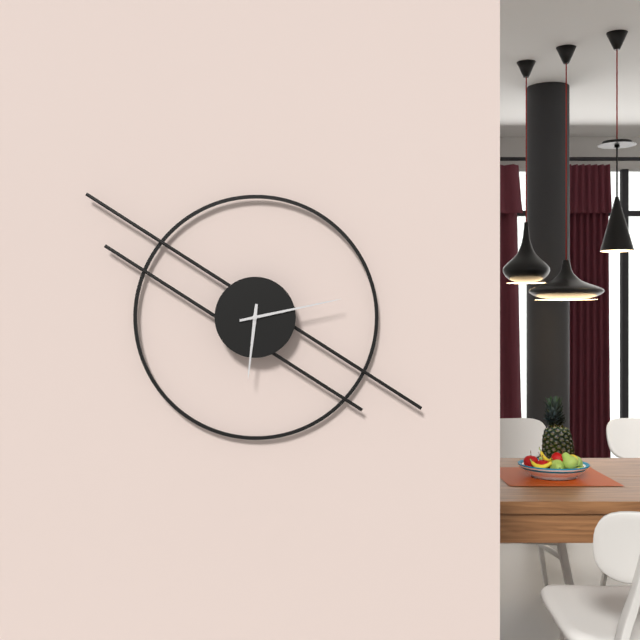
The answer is 6h13
